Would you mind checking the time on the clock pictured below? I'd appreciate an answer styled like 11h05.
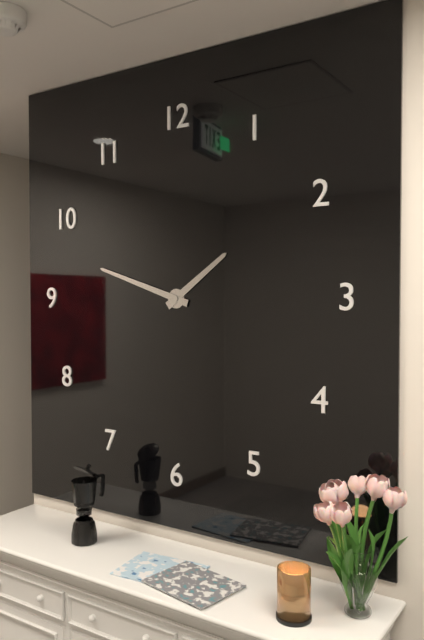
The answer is 1h48
